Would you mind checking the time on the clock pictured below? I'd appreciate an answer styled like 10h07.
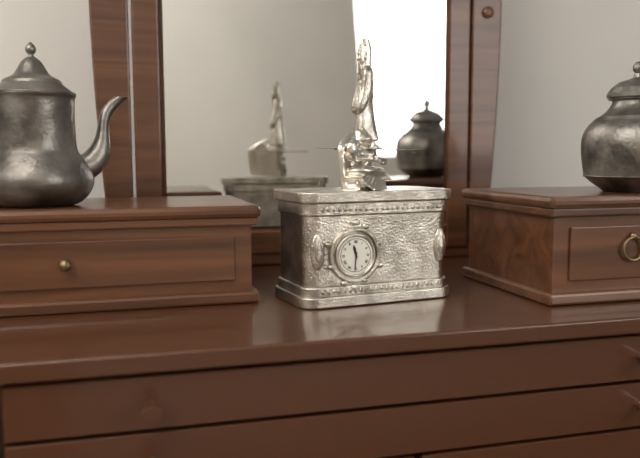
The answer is 11h31
